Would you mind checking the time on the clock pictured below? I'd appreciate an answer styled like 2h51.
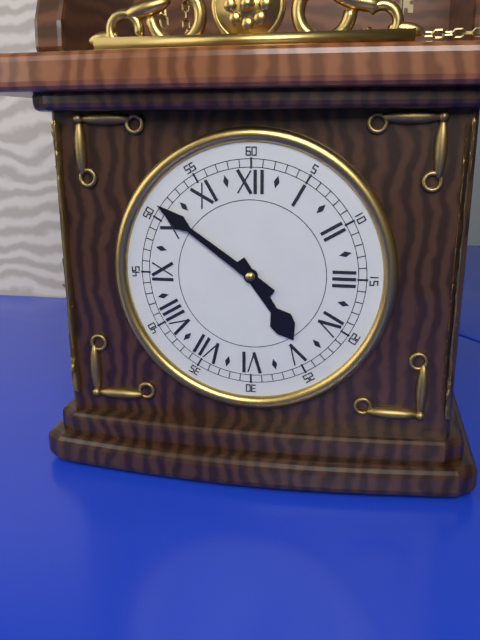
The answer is 4h51
